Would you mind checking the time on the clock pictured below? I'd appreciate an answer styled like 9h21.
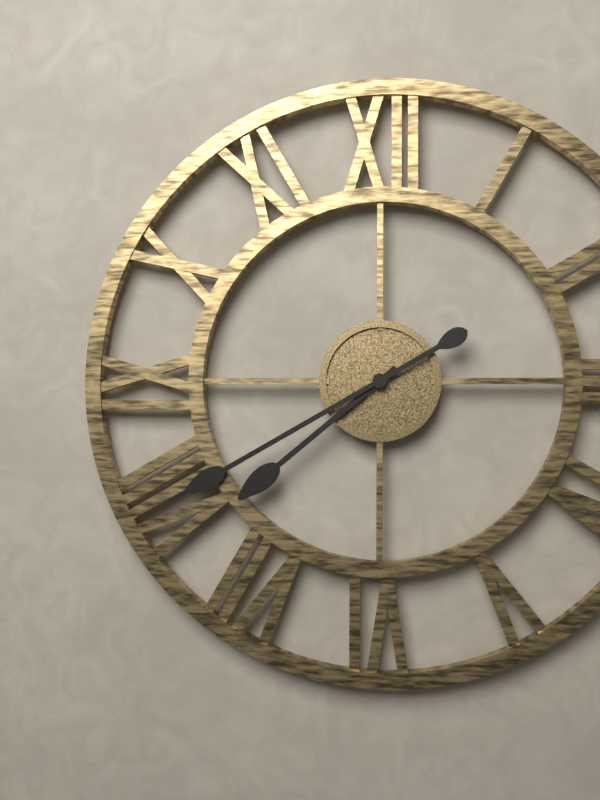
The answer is 7h40
